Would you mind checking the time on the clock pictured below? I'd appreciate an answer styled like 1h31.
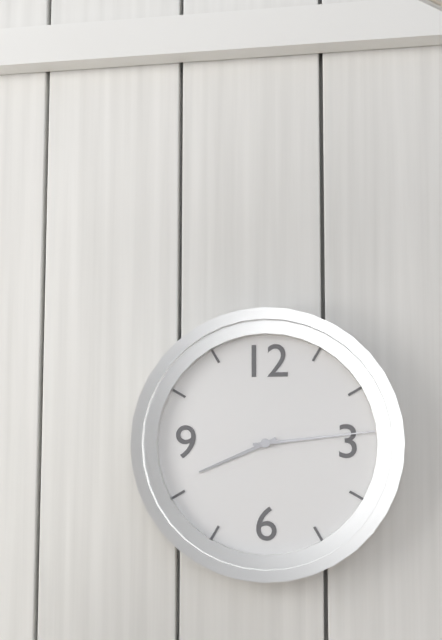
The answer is 8h14
